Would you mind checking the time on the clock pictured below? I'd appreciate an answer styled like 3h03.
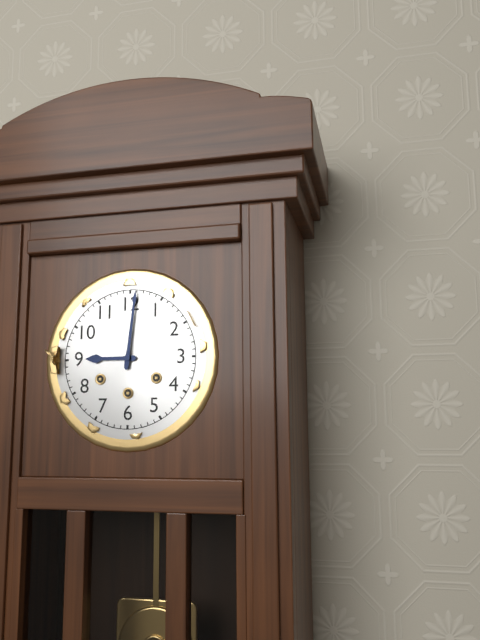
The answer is 9h01
